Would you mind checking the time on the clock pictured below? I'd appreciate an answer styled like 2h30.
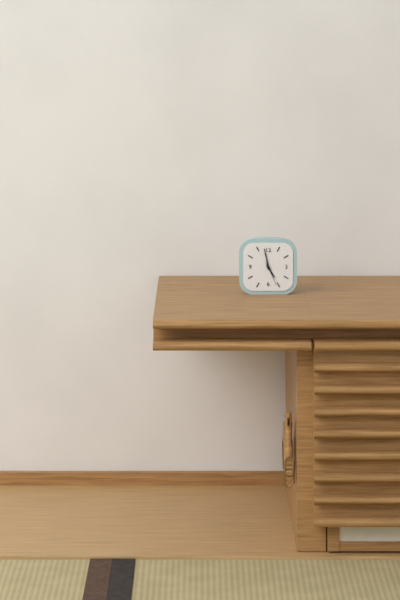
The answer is 4h58
